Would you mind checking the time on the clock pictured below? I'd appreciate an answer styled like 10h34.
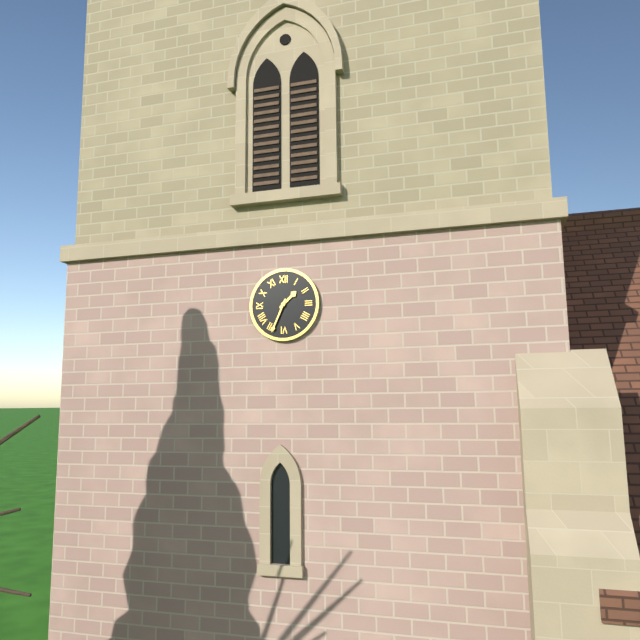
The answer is 1h34
